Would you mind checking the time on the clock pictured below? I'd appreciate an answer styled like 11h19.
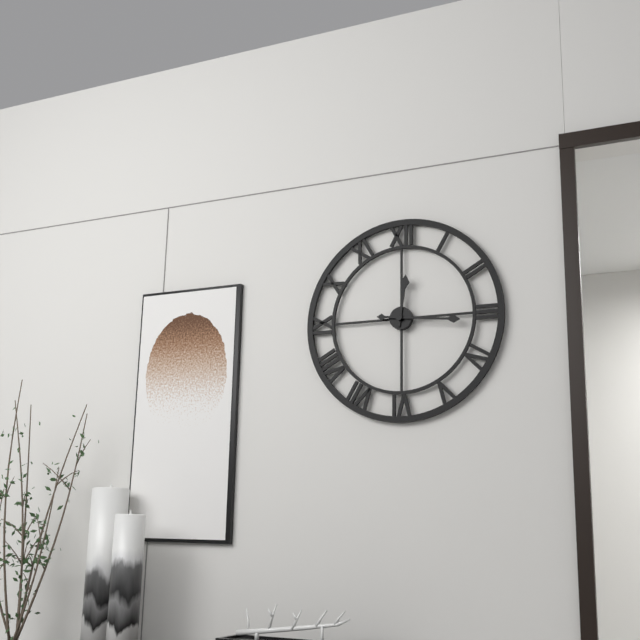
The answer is 12h16
